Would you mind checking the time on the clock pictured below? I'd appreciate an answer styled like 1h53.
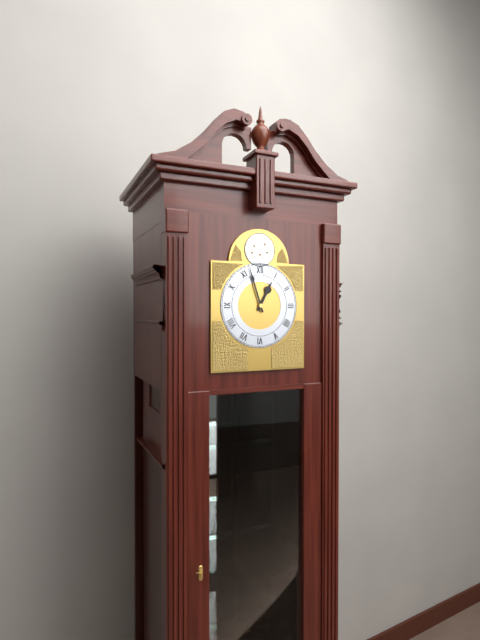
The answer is 12h57
